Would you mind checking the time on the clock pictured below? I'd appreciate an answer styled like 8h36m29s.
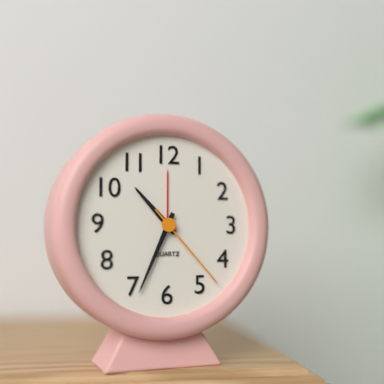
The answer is 10h34m23s
